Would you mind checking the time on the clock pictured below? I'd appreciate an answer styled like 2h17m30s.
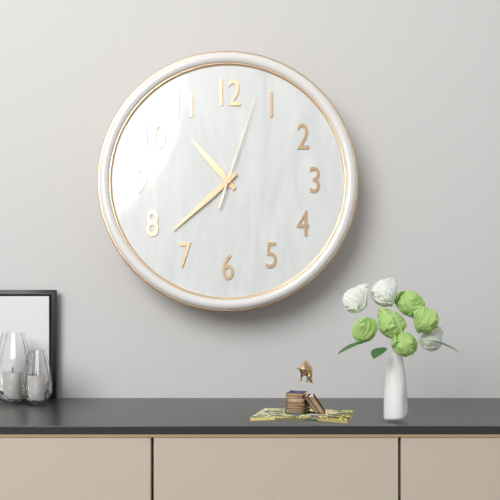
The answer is 10h38m03s
